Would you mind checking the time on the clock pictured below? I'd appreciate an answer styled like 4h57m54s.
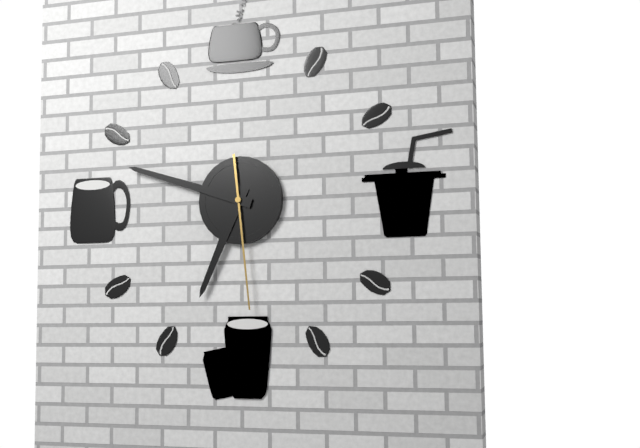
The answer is 6h48m29s
